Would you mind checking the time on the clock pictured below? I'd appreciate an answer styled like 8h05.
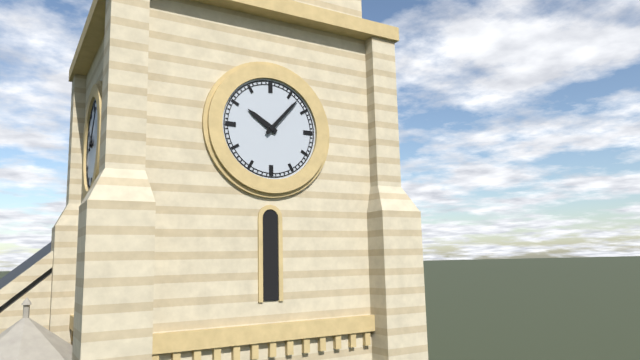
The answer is 10h07
